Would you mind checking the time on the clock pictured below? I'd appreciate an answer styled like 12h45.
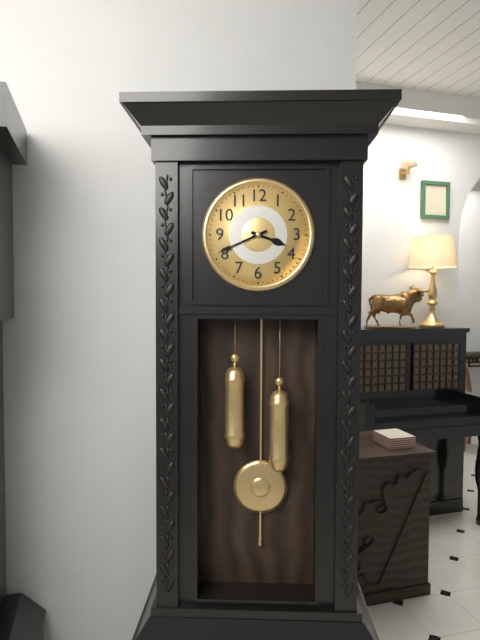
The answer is 3h41
